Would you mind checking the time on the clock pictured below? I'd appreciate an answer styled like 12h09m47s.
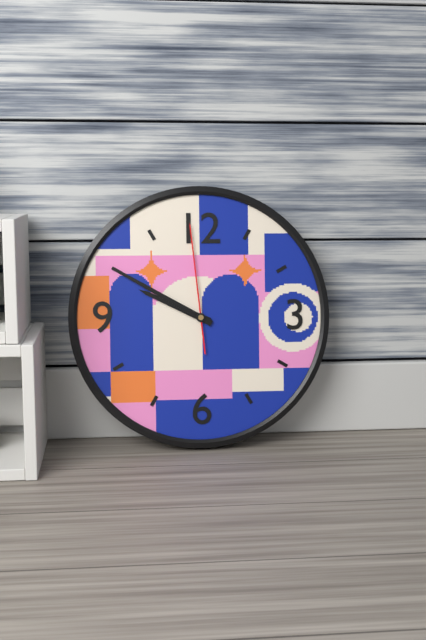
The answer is 9h50m59s
